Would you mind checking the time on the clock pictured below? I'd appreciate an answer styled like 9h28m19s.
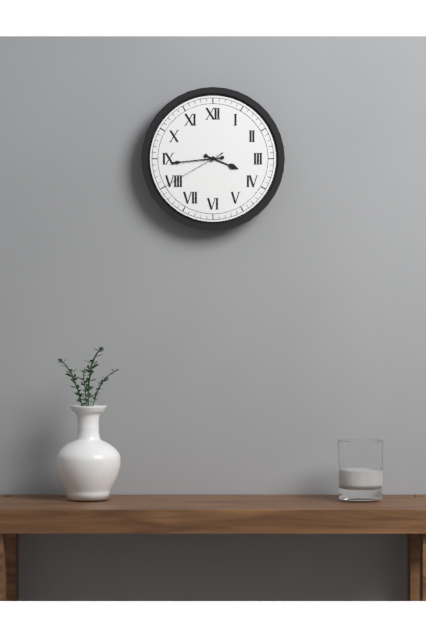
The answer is 3h44m40s
